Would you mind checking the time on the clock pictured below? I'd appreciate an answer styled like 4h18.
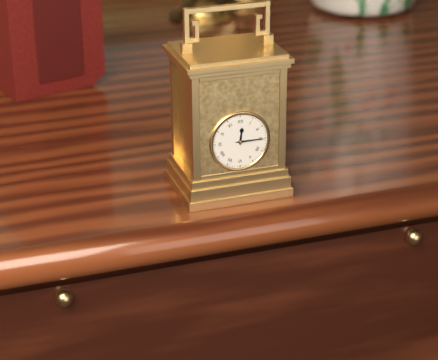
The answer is 12h15
